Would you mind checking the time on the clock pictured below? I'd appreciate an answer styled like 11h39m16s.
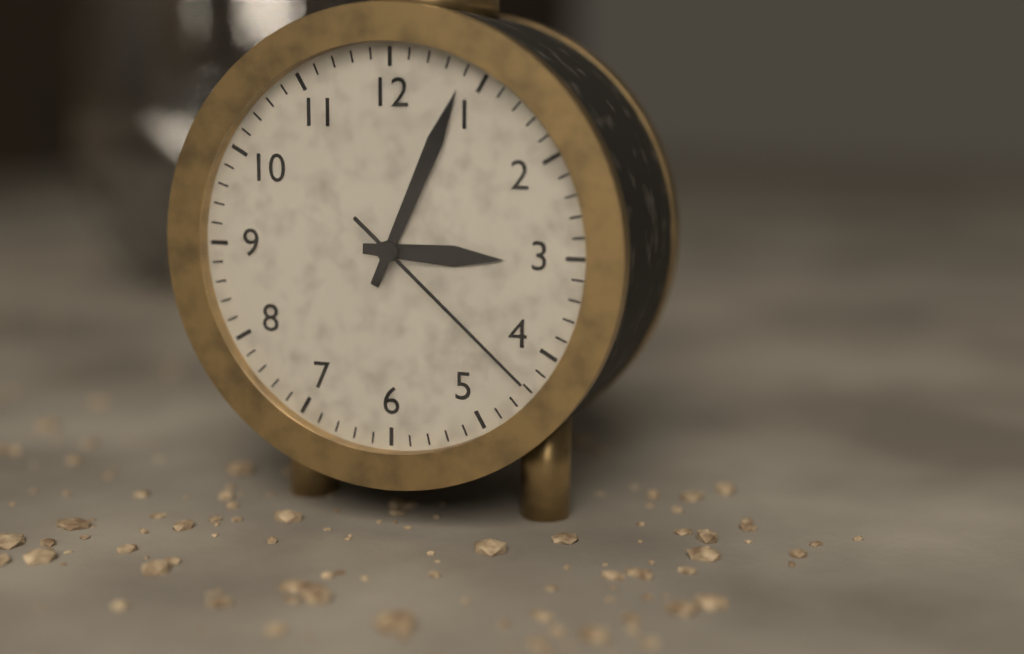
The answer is 3h04m22s
